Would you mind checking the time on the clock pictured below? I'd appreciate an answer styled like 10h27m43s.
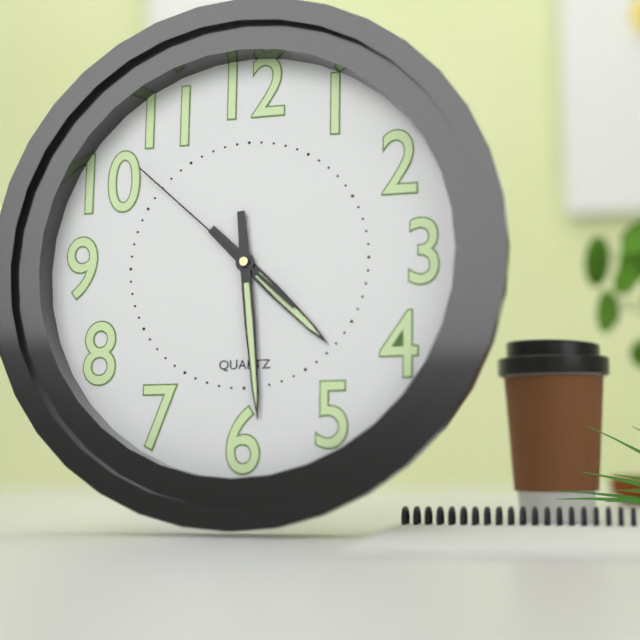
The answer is 4h29m52s
